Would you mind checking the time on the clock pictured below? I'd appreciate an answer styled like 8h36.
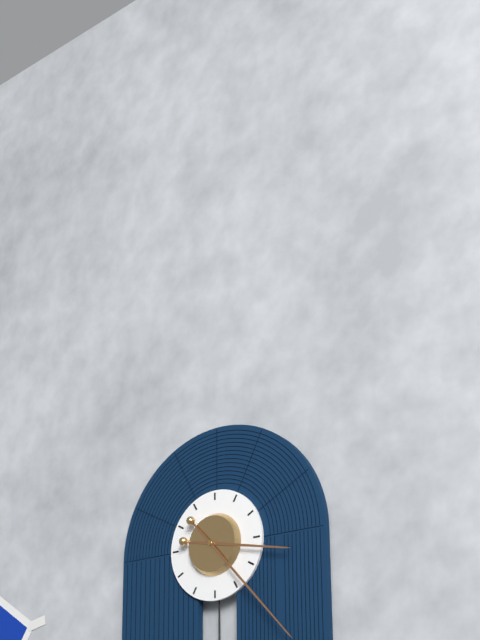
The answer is 3h23
